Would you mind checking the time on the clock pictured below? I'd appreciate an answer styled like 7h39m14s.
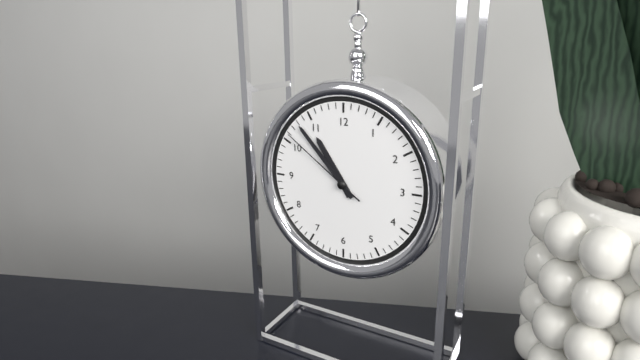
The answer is 10h53m51s
